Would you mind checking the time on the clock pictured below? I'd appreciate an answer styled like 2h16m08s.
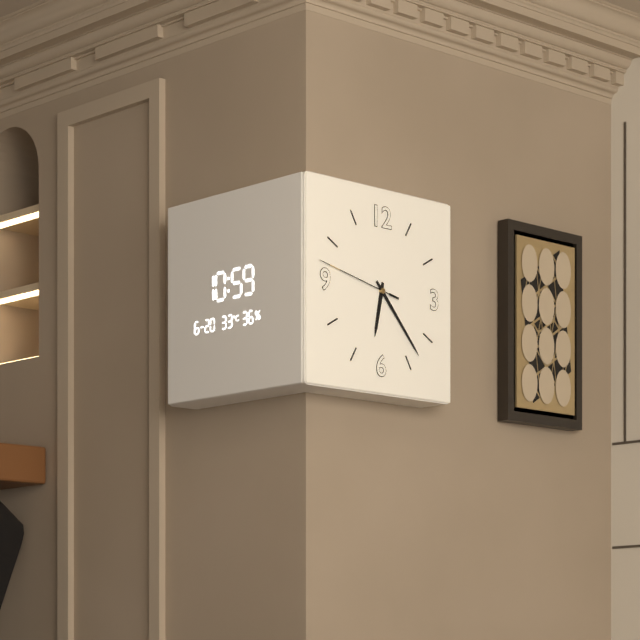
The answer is 6h23m47s
